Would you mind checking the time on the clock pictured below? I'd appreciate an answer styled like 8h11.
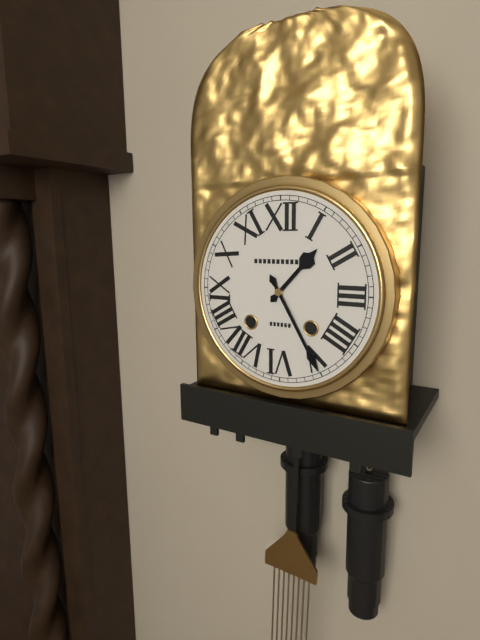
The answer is 1h25
